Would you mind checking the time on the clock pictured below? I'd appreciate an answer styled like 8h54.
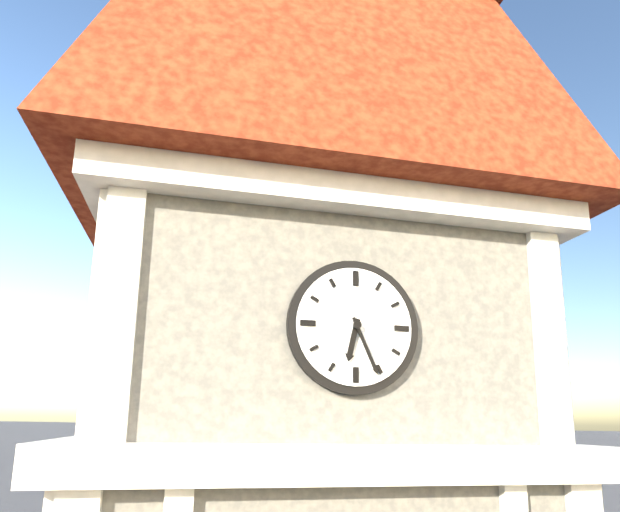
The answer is 6h26
